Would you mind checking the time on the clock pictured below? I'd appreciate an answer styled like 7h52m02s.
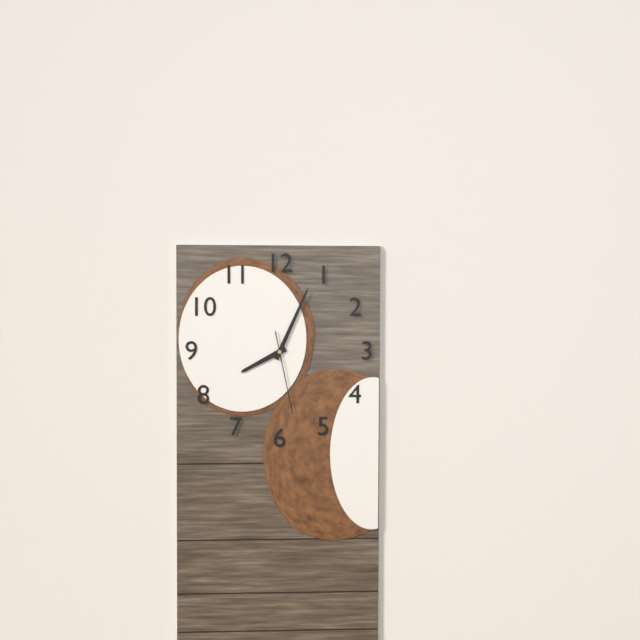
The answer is 8h04m28s
